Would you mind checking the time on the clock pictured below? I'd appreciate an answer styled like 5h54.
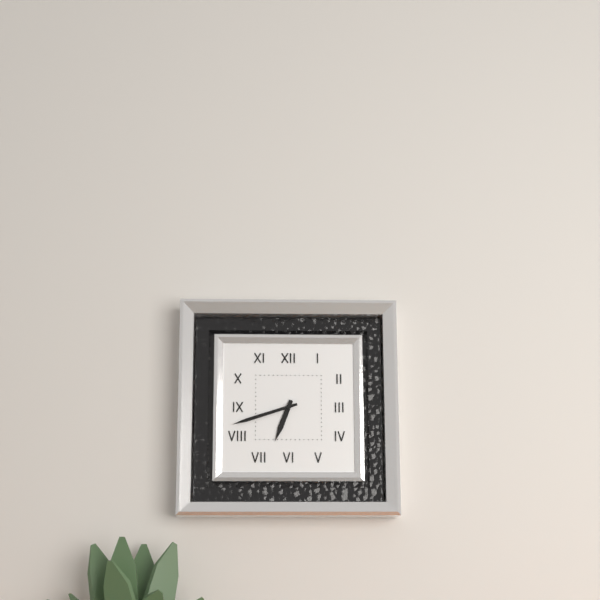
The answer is 6h42
